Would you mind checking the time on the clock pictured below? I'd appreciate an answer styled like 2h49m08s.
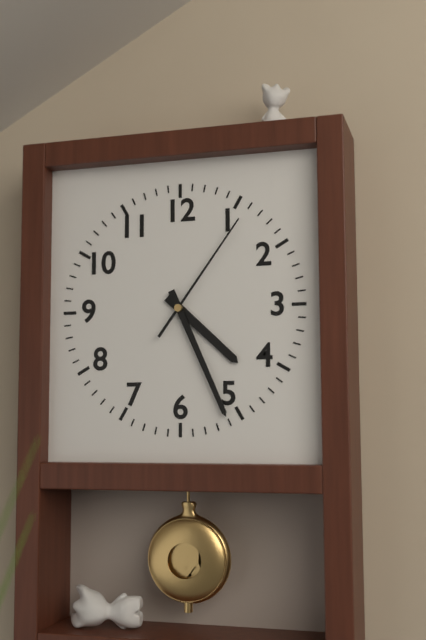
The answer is 4h26m06s
